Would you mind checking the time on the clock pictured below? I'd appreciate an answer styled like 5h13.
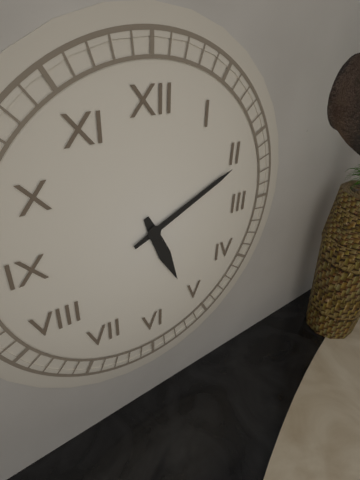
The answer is 5h11
